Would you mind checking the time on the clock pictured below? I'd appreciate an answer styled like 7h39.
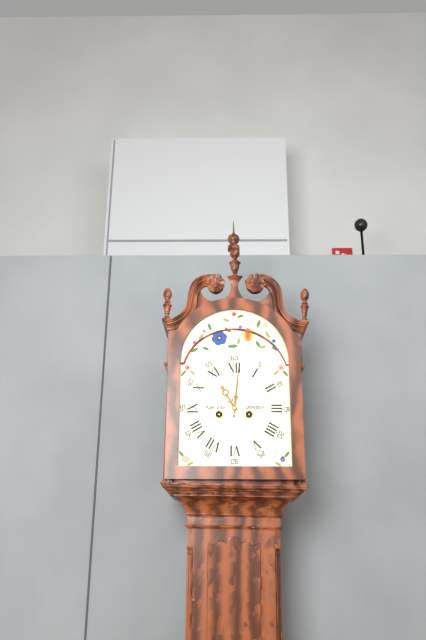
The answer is 11h01
